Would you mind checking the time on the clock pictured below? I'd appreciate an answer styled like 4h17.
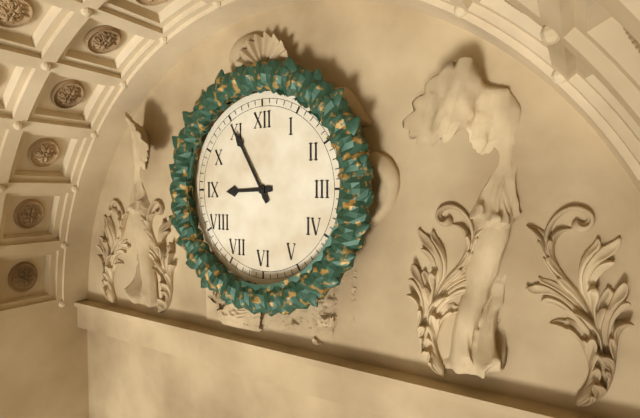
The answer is 8h55
